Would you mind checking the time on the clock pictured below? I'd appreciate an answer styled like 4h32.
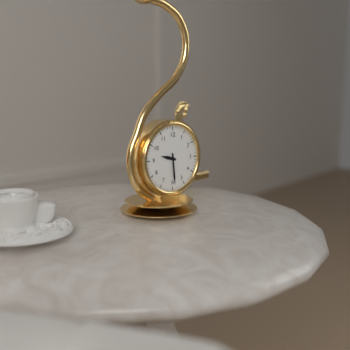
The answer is 9h29
